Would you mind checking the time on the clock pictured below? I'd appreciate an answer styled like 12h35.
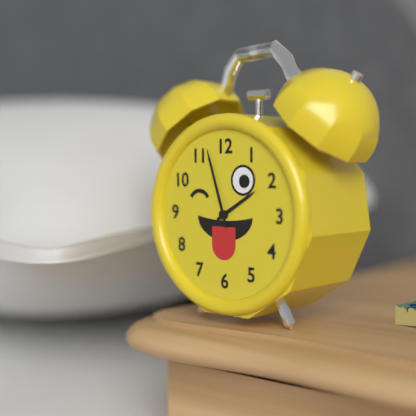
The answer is 1h57
